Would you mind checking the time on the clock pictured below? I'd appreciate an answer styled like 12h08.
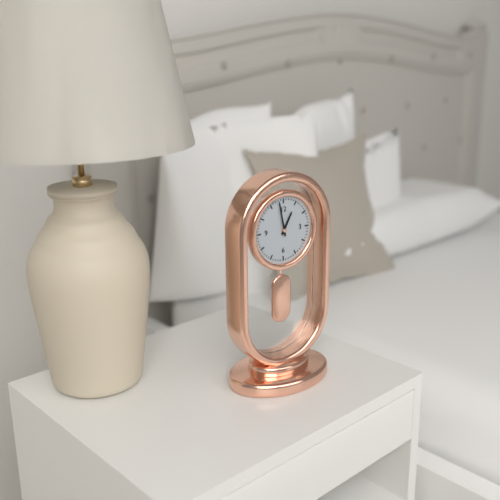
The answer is 12h58
